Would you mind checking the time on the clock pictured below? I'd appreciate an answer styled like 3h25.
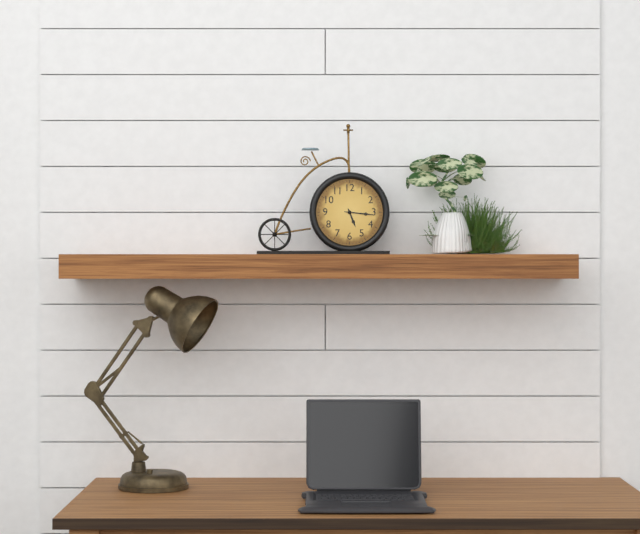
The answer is 5h16
